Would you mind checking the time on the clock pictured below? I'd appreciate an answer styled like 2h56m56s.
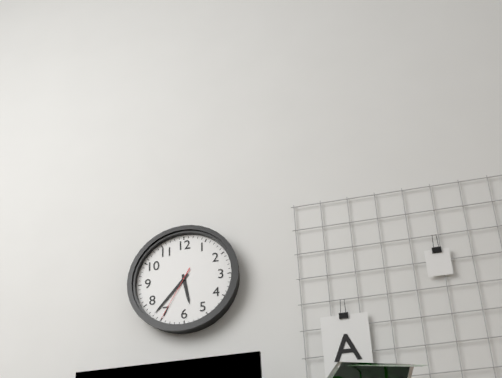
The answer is 5h37m35s
